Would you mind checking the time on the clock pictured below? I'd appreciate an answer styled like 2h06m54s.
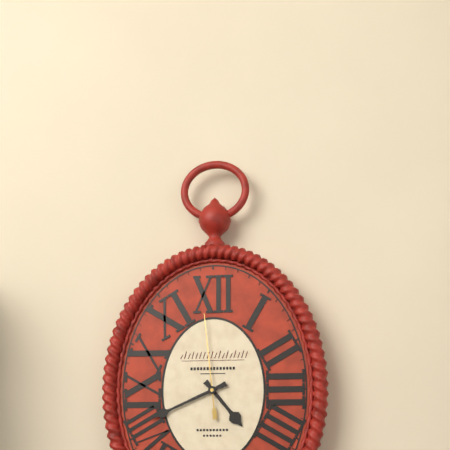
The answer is 4h41m59s
